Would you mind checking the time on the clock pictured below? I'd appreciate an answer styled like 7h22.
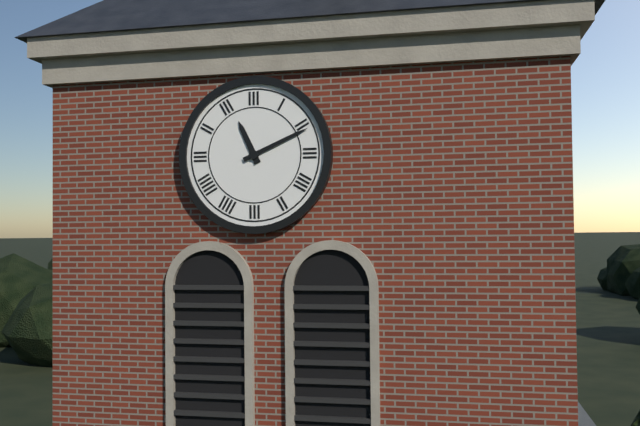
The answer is 11h11
